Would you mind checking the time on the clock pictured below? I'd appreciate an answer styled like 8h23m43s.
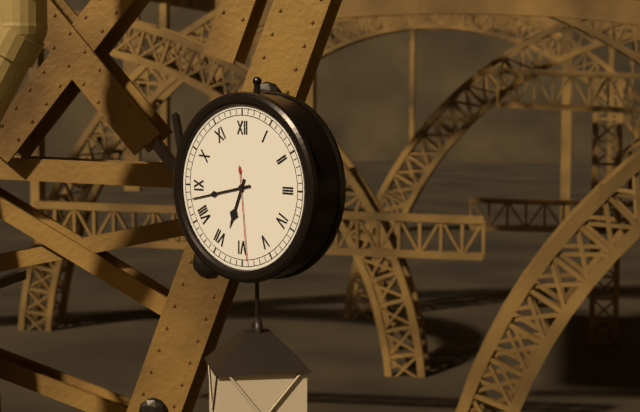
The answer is 6h43m29s
